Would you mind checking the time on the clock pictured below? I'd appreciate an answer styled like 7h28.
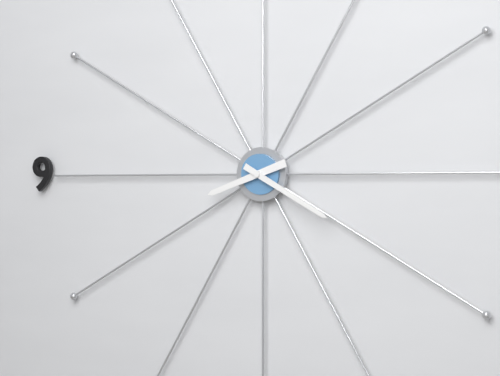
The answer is 8h20
